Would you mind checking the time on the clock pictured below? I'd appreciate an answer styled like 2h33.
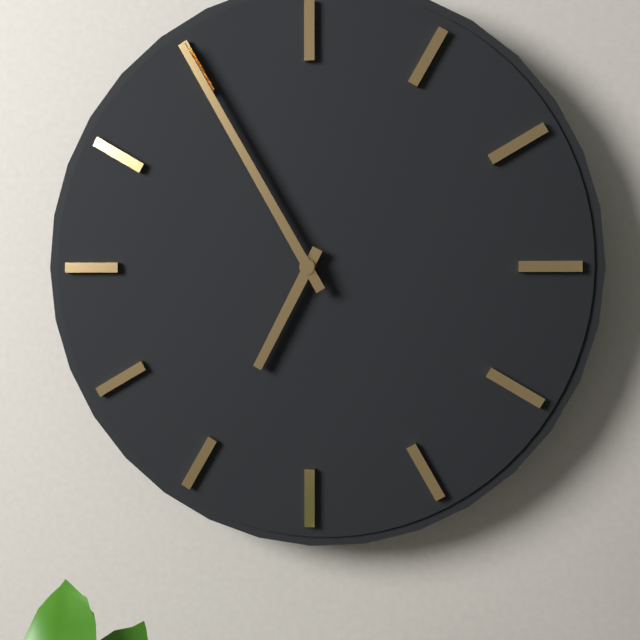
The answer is 6h55
